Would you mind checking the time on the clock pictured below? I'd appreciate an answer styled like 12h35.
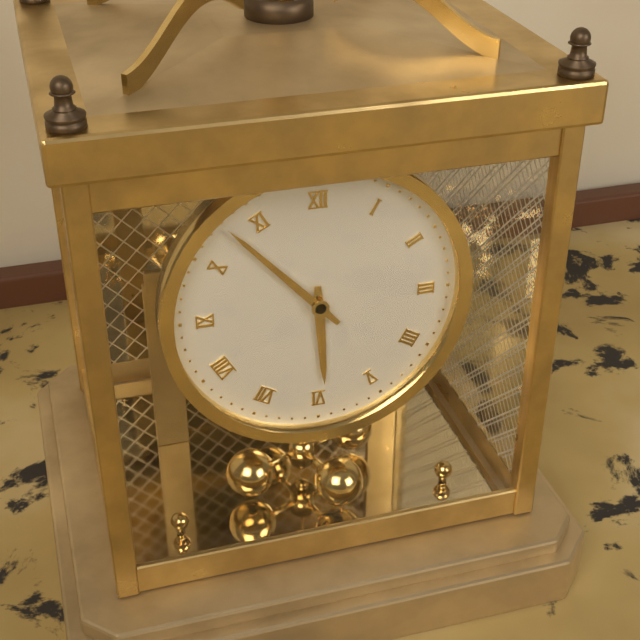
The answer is 5h53
